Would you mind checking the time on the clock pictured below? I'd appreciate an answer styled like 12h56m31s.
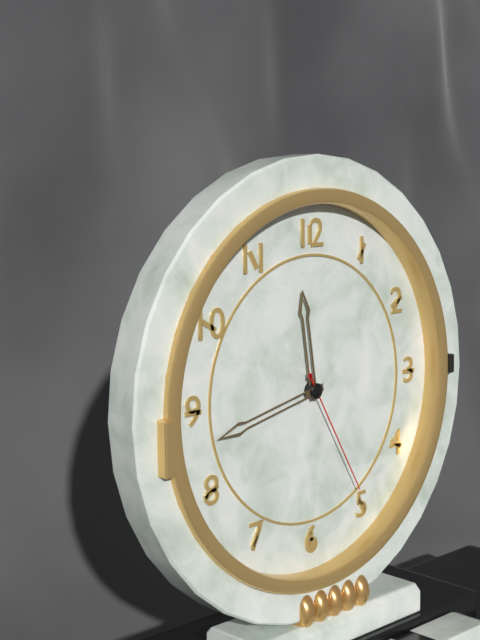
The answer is 11h43m25s
